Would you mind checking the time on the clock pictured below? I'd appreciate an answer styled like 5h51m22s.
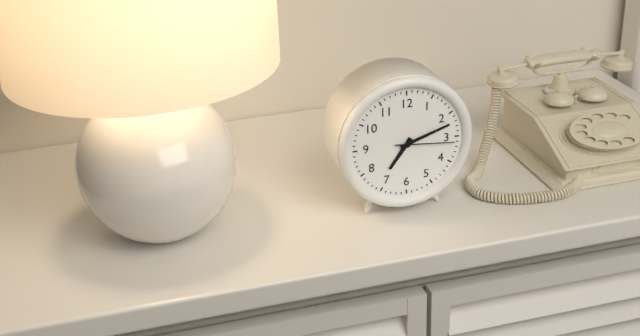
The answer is 7h12m16s
